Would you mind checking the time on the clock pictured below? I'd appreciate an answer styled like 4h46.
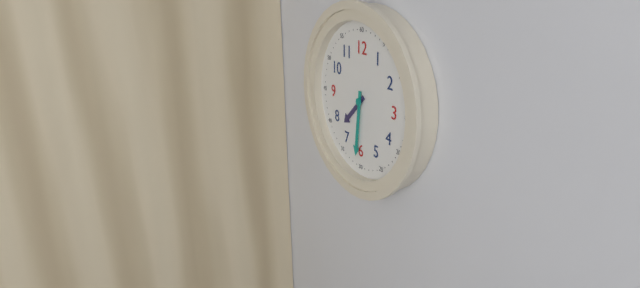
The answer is 7h31
